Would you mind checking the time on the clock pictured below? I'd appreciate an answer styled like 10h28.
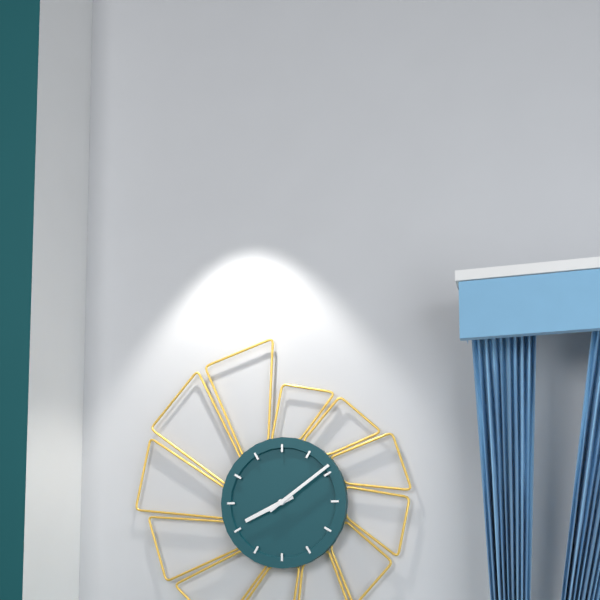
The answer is 8h09
